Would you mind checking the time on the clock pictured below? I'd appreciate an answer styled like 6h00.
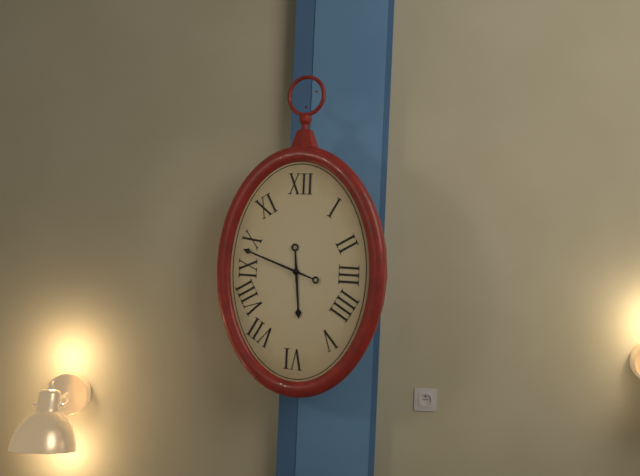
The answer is 5h48
